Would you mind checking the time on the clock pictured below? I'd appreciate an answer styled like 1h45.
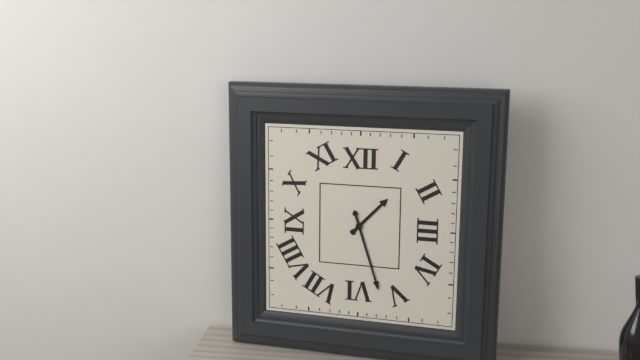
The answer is 1h27
